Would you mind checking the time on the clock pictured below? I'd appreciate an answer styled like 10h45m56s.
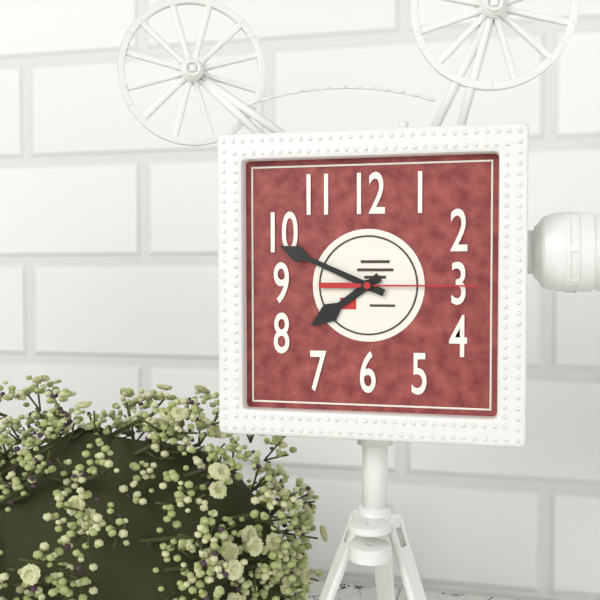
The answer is 7h49m15s
